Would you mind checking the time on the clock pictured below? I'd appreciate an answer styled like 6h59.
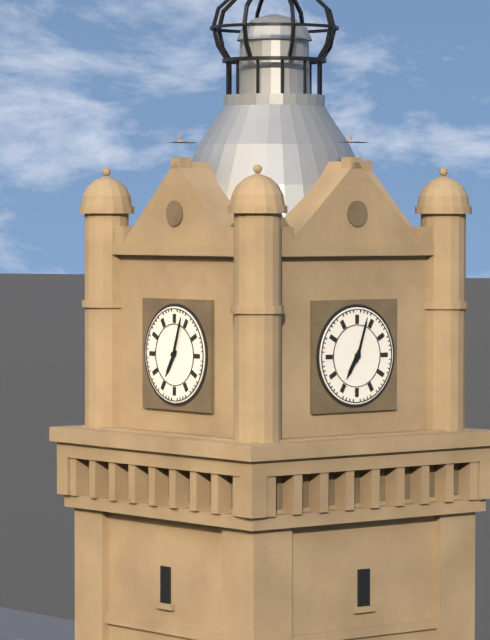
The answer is 7h03
